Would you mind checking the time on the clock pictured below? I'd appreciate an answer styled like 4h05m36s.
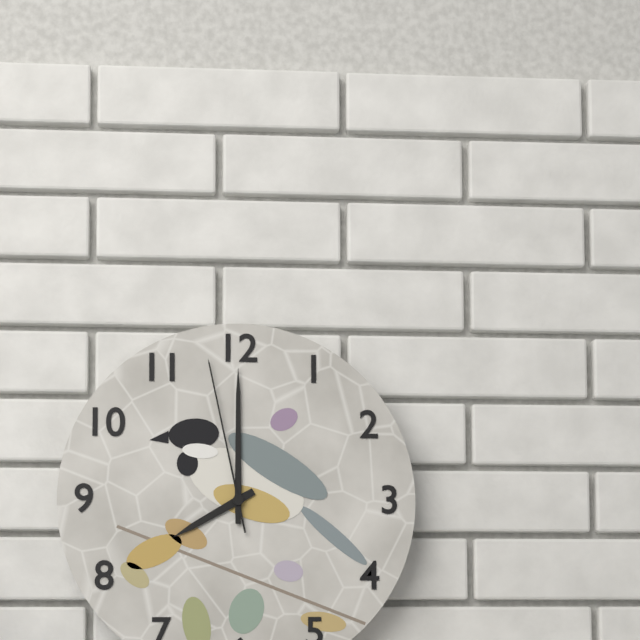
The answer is 8h00m58s
